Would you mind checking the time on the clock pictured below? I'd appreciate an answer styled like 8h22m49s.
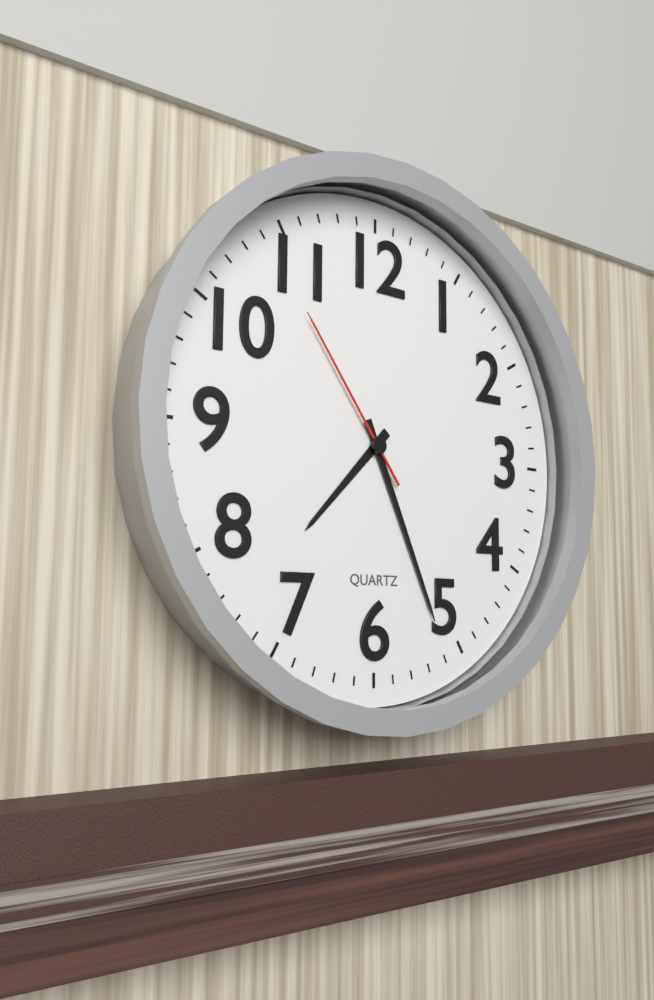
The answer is 7h26m54s
